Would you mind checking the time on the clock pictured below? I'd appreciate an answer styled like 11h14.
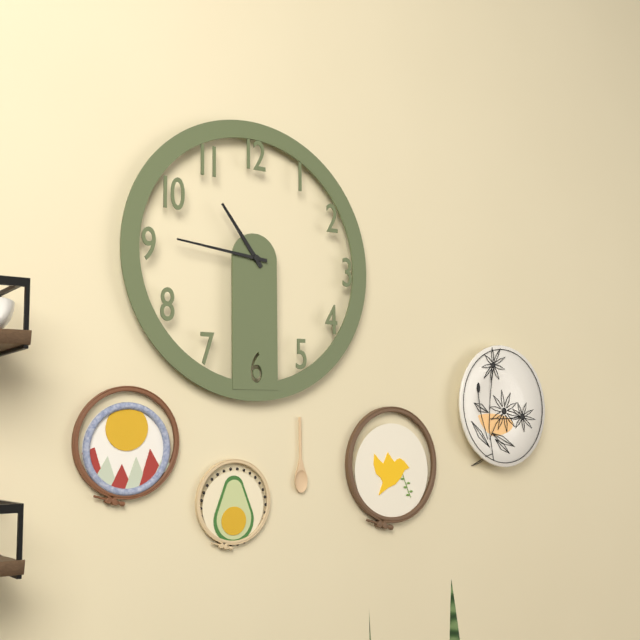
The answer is 10h46
